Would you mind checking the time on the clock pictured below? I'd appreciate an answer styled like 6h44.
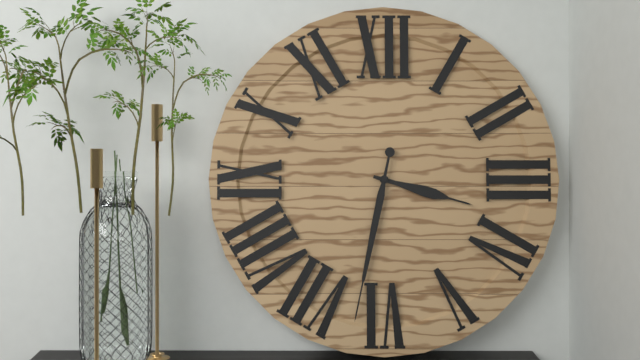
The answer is 3h32
